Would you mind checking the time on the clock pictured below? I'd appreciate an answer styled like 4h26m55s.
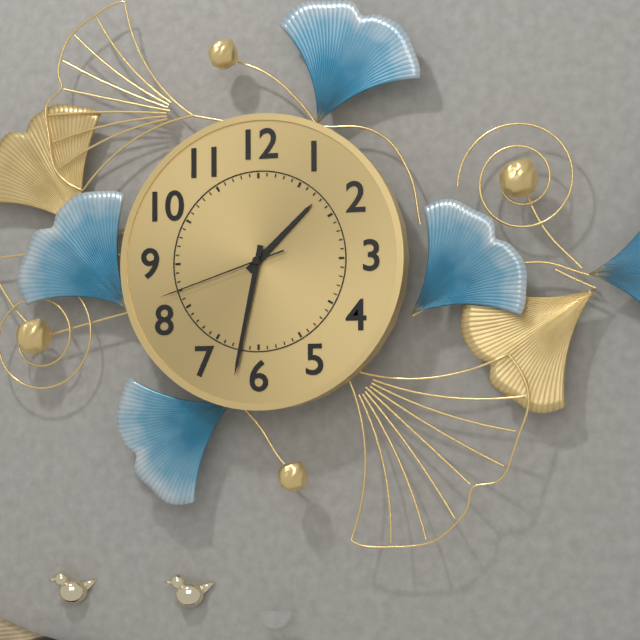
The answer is 1h32m42s
